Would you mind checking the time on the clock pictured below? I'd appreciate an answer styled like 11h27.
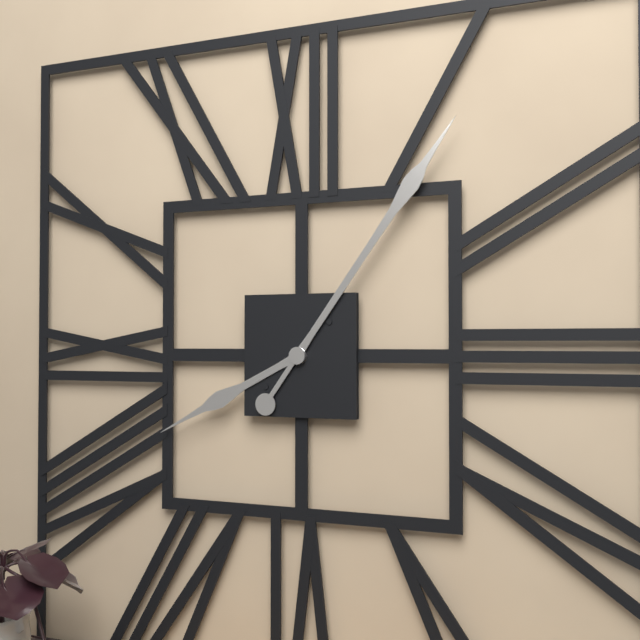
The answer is 8h06
